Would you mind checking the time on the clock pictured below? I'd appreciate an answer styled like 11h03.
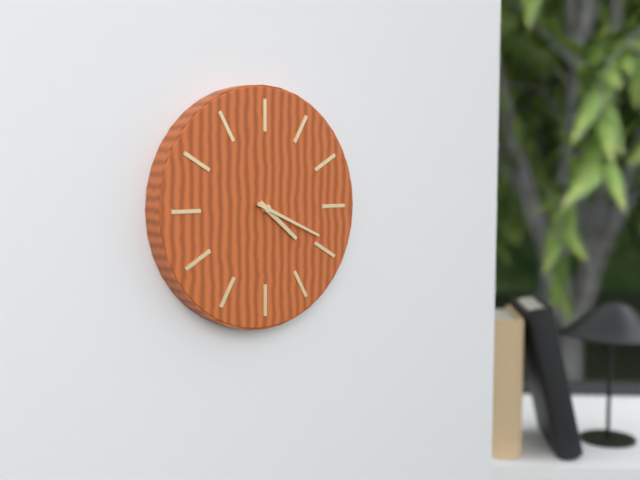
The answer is 4h19
